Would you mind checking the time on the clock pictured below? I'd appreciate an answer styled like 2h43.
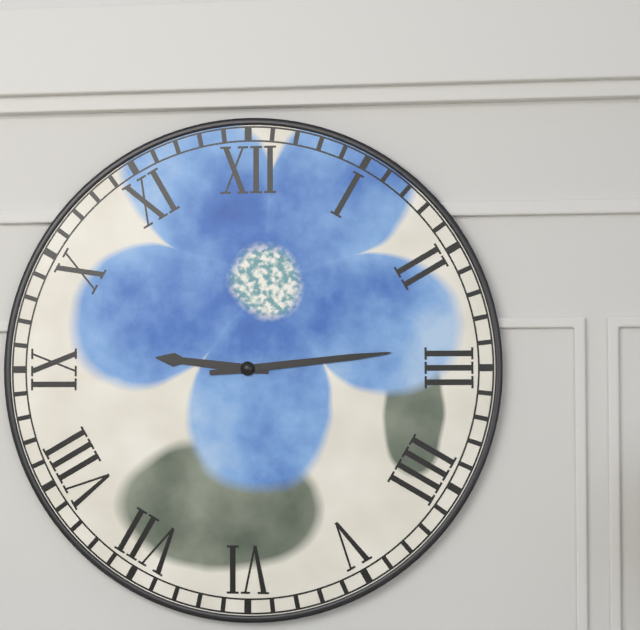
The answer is 9h14
